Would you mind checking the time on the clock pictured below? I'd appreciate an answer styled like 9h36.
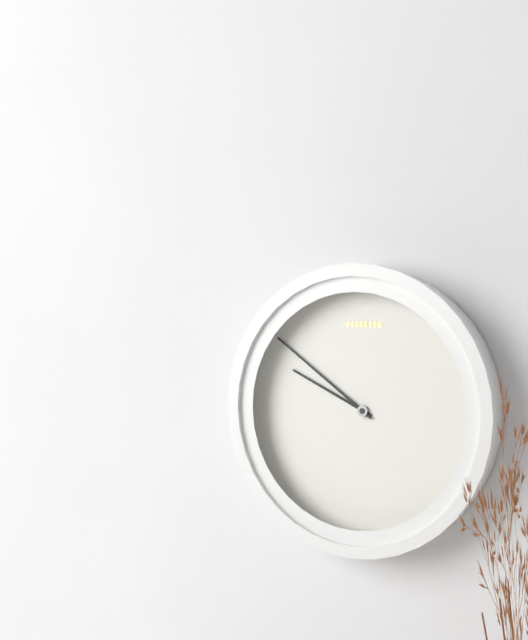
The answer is 9h51
